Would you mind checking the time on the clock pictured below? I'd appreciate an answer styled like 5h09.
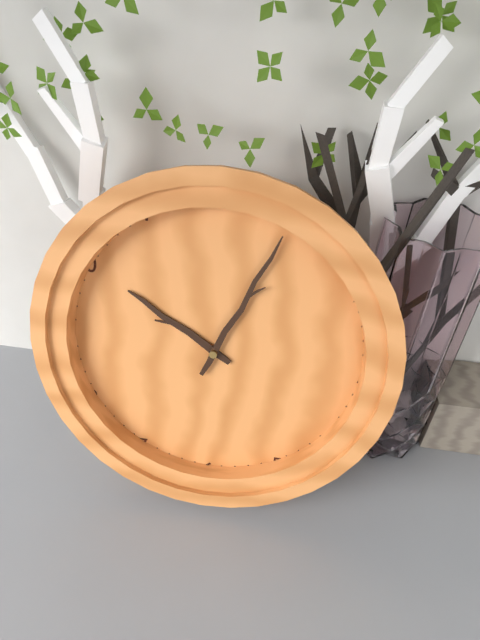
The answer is 10h04
